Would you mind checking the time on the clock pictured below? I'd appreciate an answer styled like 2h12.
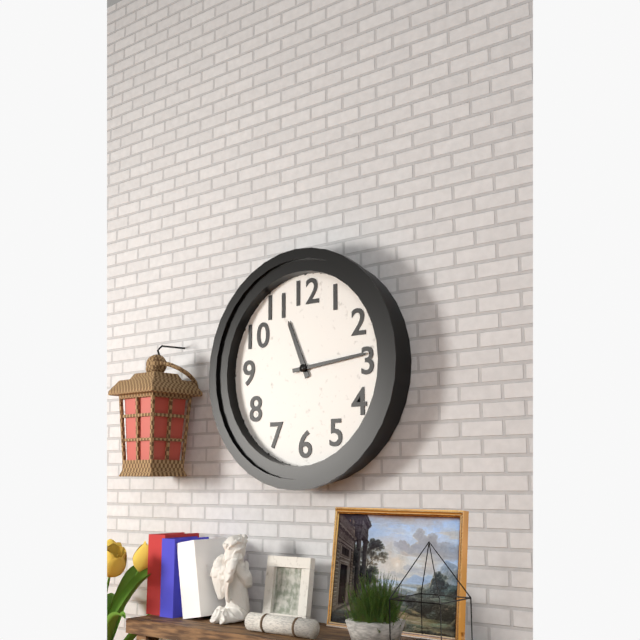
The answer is 11h14
